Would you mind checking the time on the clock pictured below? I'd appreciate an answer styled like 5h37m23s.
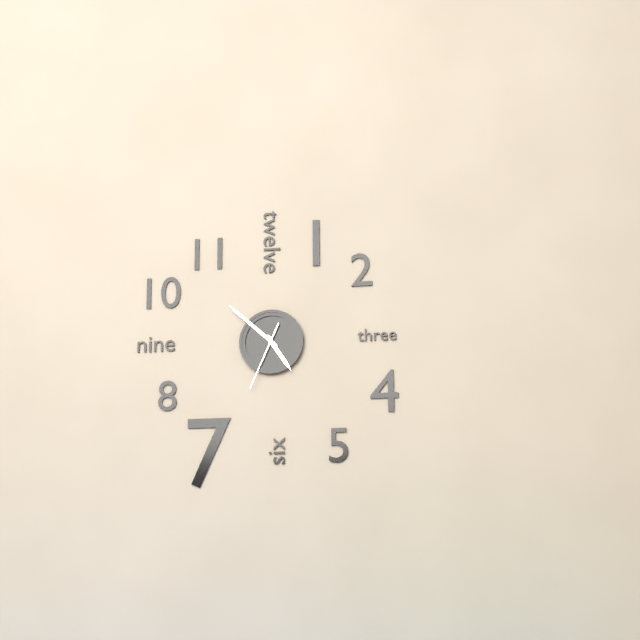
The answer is 4h52m34s
